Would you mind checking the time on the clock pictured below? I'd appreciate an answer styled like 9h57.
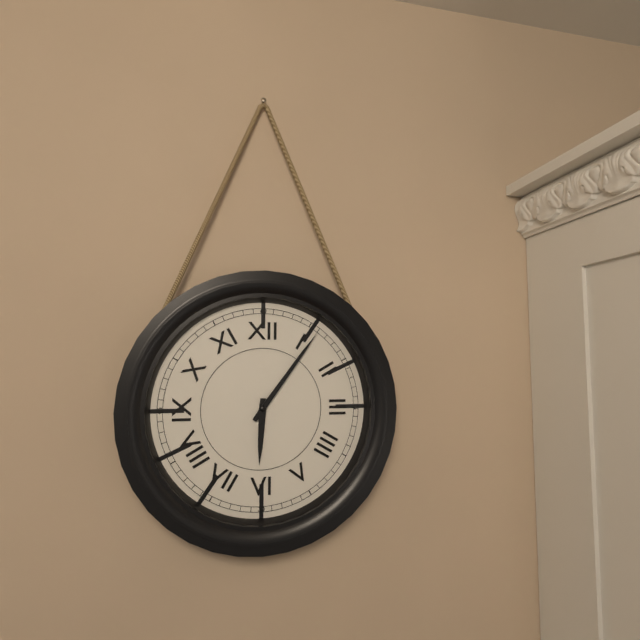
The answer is 6h06
